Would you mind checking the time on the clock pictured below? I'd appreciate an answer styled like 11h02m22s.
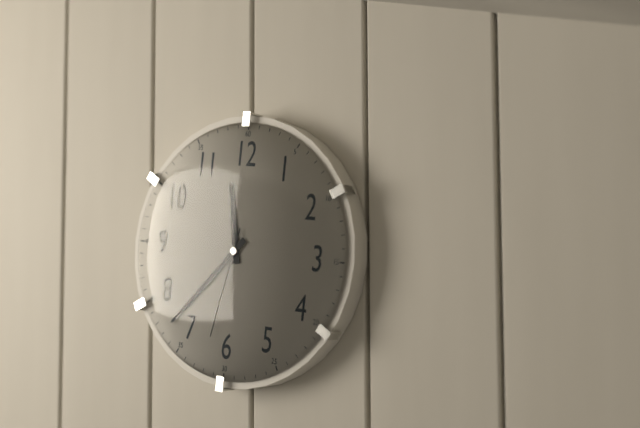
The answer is 11h37m32s
